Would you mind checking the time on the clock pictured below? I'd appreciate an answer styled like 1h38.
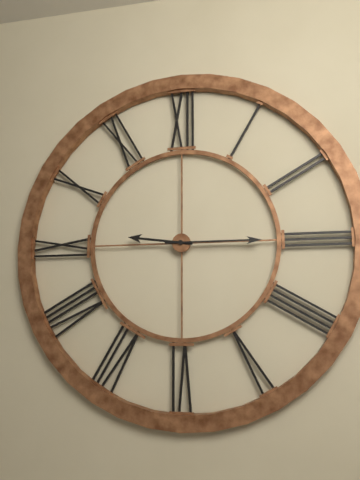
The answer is 9h15
